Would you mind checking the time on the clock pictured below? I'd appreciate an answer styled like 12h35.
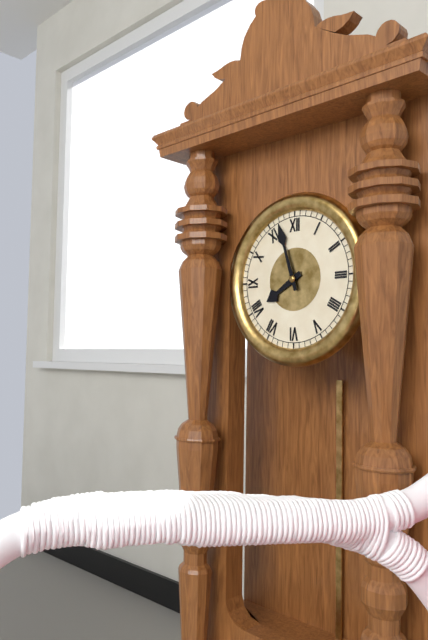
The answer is 7h57
